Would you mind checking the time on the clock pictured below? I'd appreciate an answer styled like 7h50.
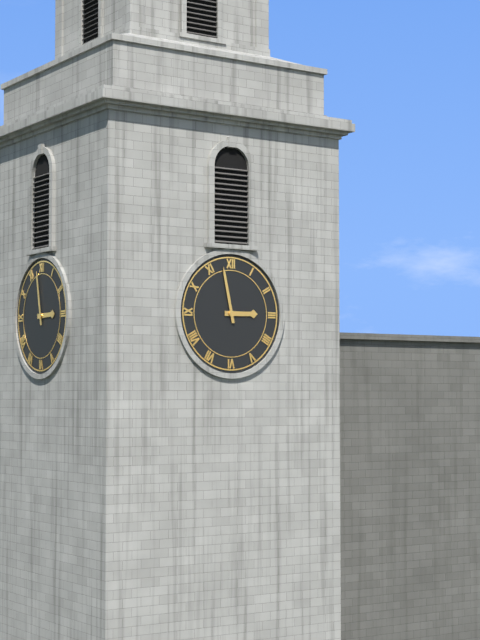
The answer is 2h58
